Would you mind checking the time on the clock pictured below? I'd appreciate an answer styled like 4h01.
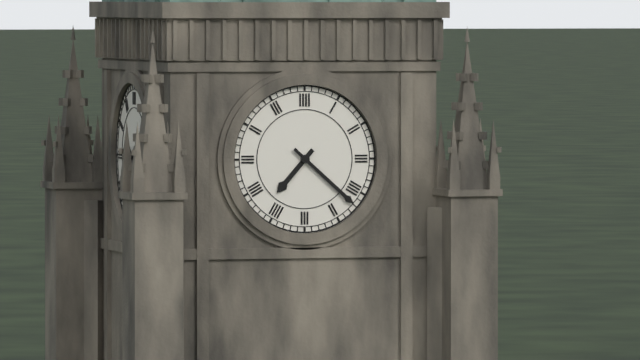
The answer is 7h22
